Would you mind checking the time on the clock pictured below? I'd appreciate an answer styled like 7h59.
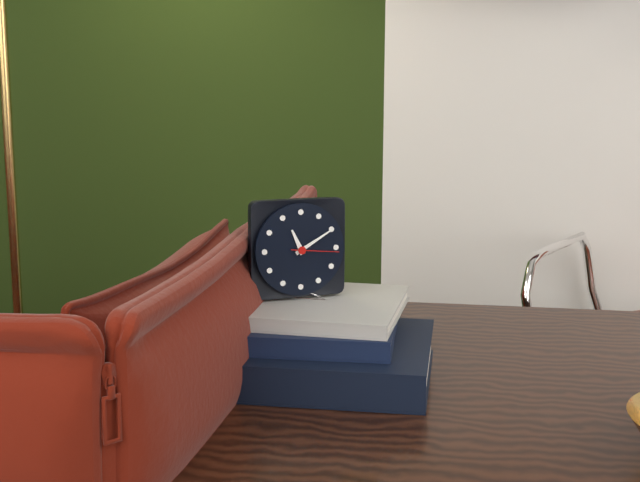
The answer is 11h10
